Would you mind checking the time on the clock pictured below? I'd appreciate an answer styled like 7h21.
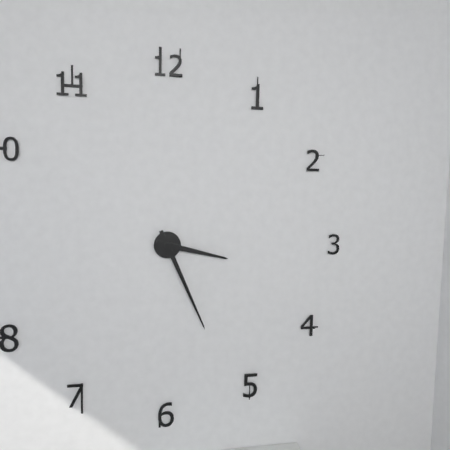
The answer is 3h26
